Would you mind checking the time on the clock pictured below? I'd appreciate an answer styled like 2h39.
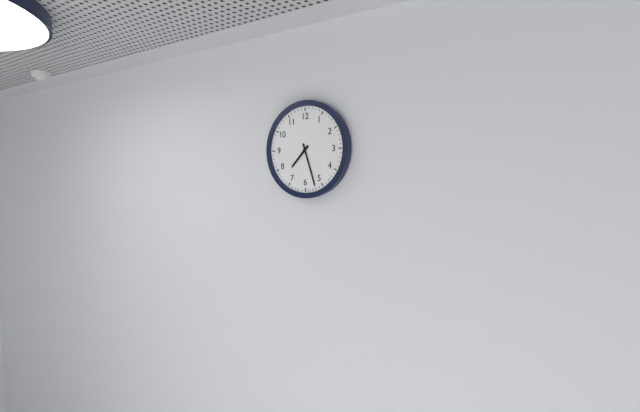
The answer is 7h27
